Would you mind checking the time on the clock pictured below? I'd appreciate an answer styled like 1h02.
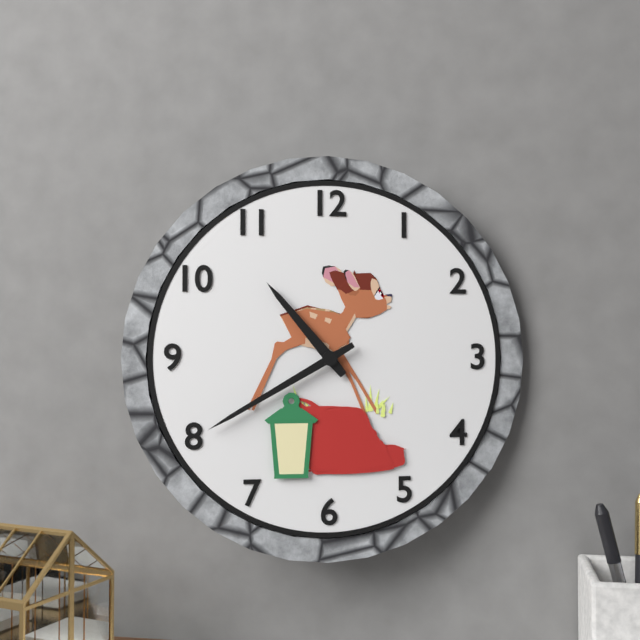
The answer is 10h40
